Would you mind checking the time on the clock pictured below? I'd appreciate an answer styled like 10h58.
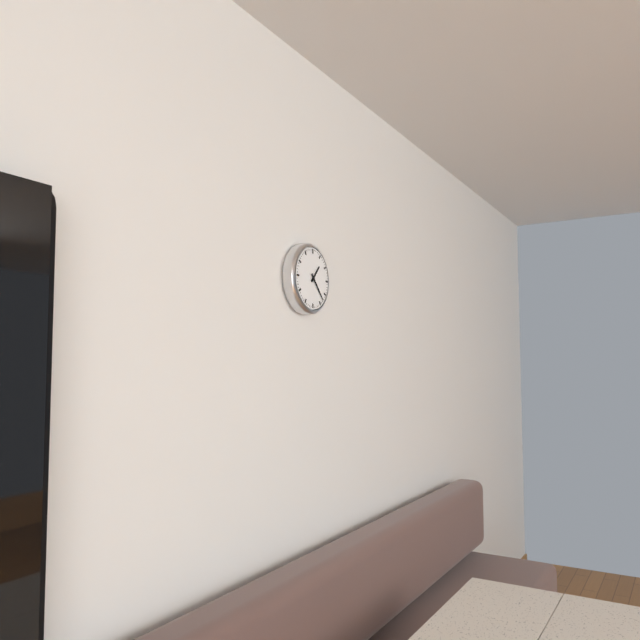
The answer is 1h23
